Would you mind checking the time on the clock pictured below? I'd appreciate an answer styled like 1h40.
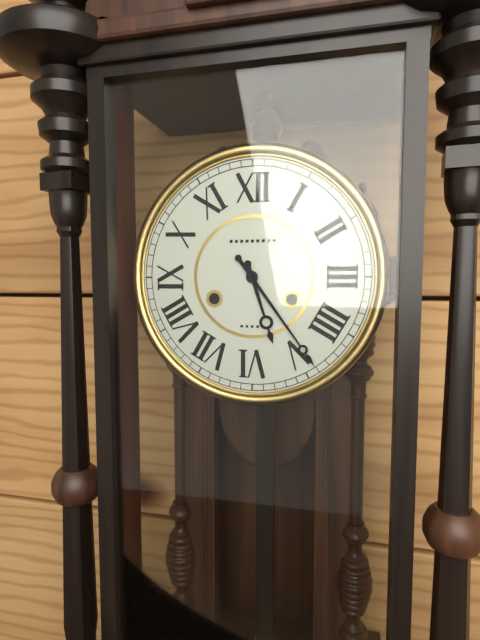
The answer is 5h24
